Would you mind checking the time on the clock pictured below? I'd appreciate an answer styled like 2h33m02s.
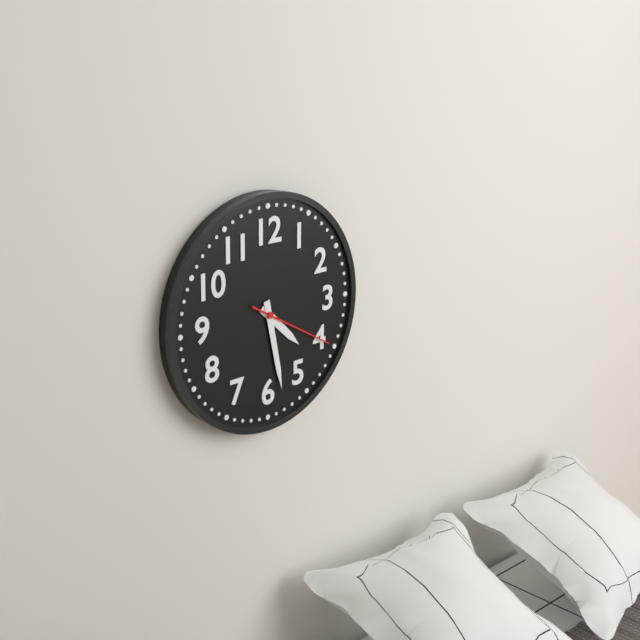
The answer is 4h28m20s
